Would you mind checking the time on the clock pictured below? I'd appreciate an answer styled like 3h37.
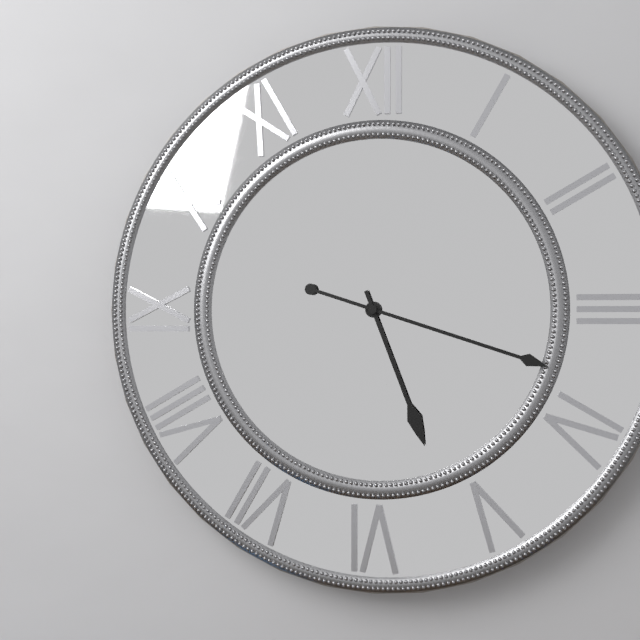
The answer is 5h18
